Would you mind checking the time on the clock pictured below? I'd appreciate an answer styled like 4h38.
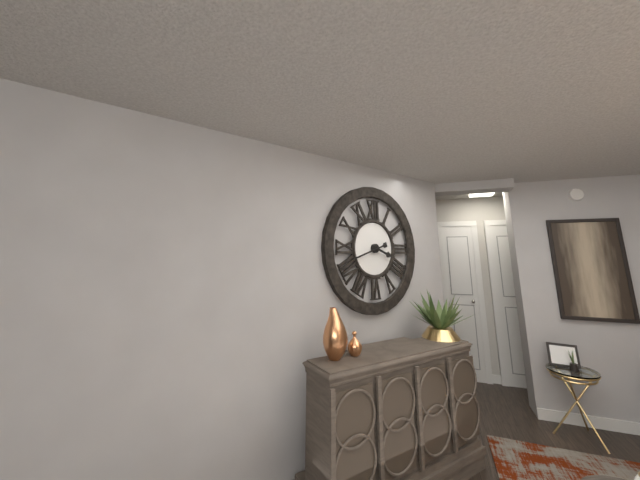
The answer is 3h42
